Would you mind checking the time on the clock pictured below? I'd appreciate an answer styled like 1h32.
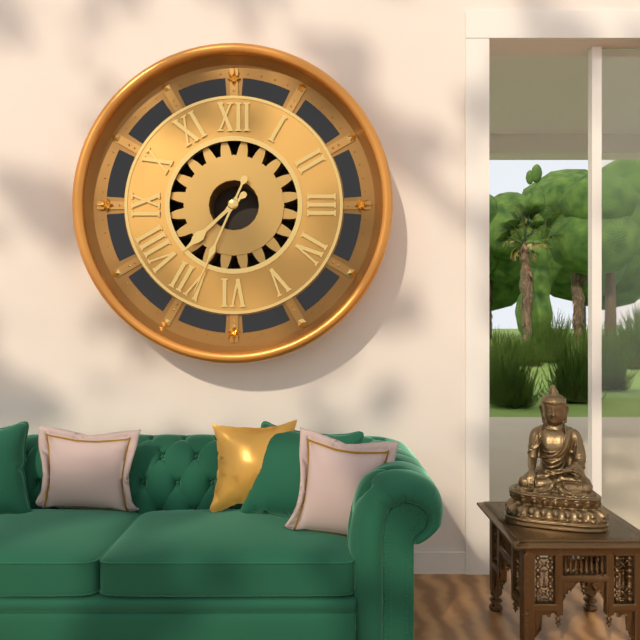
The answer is 7h34
